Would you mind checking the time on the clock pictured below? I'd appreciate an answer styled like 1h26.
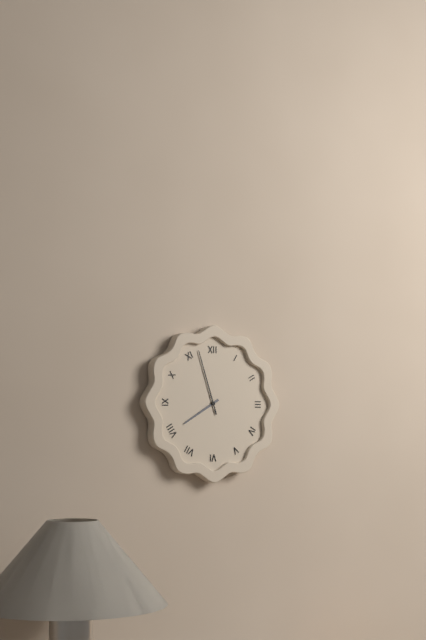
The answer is 7h57
